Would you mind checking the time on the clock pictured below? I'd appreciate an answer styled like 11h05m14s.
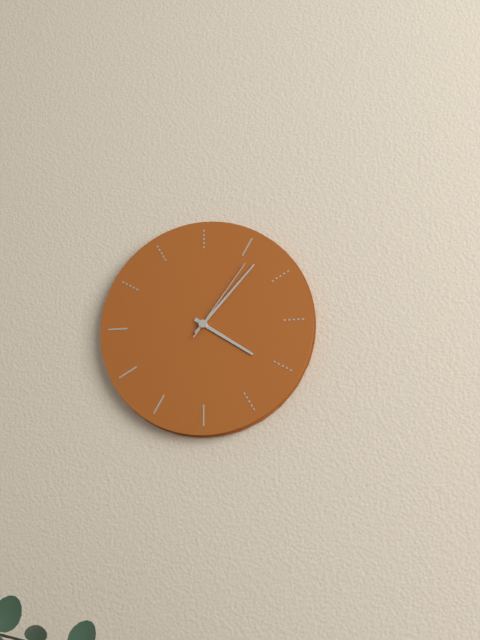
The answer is 4h07m06s
